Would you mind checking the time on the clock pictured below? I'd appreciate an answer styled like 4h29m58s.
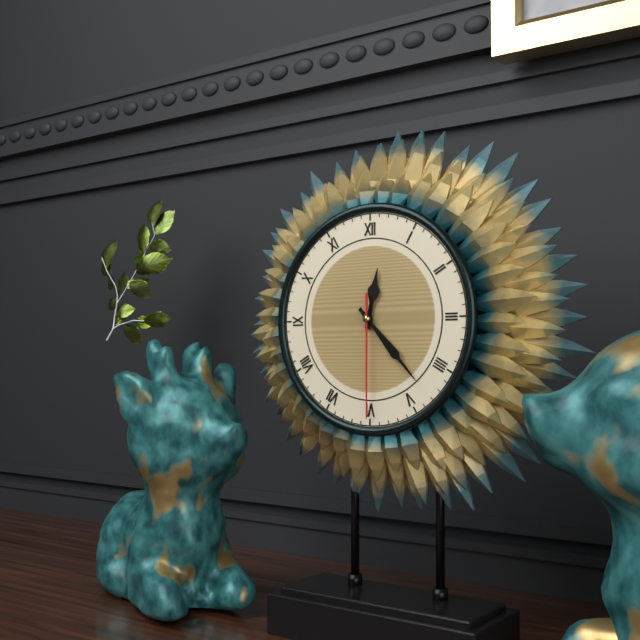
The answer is 12h23m30s
